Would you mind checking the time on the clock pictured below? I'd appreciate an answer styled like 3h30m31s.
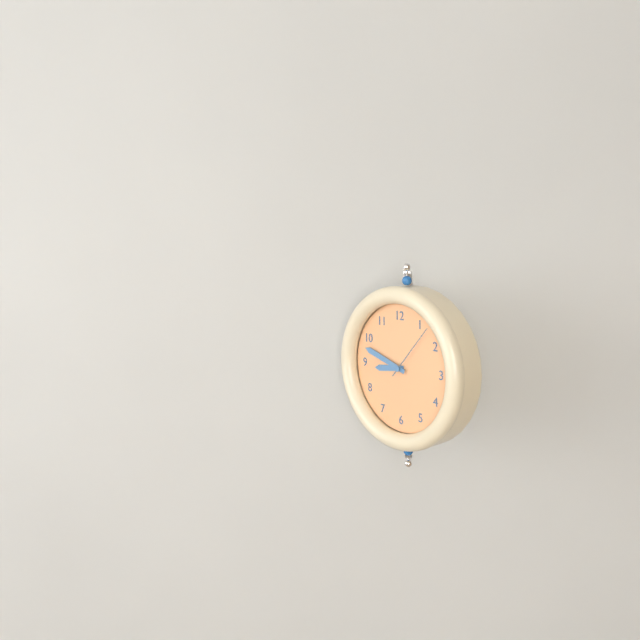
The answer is 8h48m07s
